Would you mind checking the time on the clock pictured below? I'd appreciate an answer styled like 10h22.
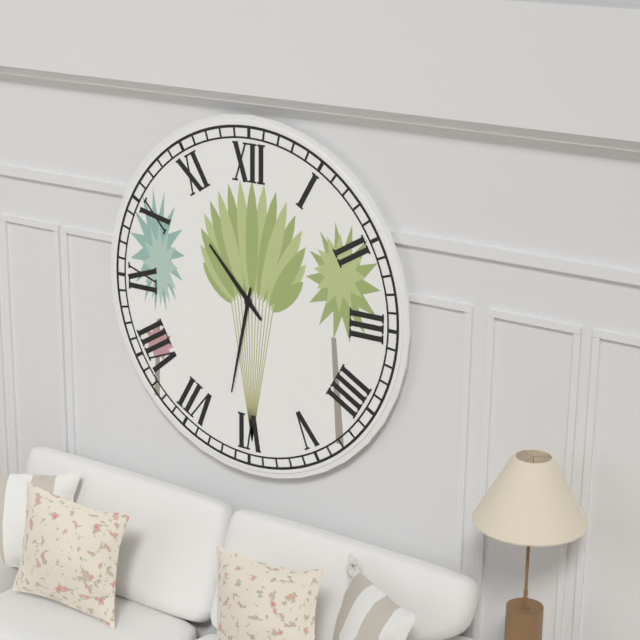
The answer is 10h32
